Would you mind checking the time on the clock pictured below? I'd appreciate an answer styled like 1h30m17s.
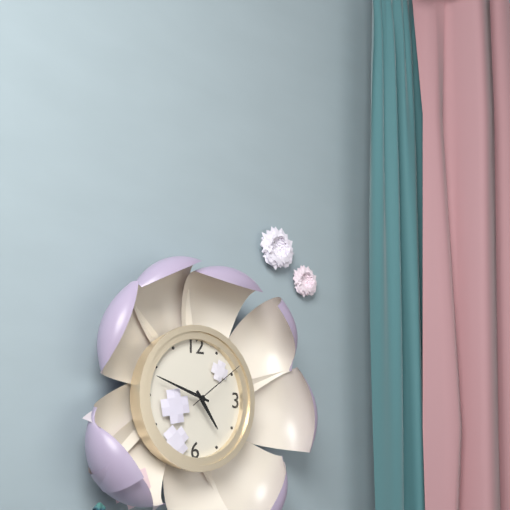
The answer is 4h48m09s
